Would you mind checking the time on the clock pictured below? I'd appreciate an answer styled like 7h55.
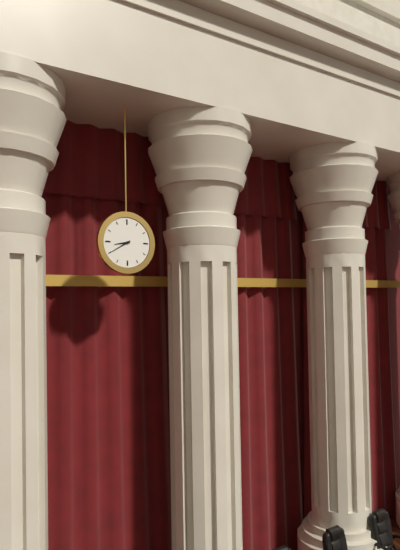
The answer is 8h40
